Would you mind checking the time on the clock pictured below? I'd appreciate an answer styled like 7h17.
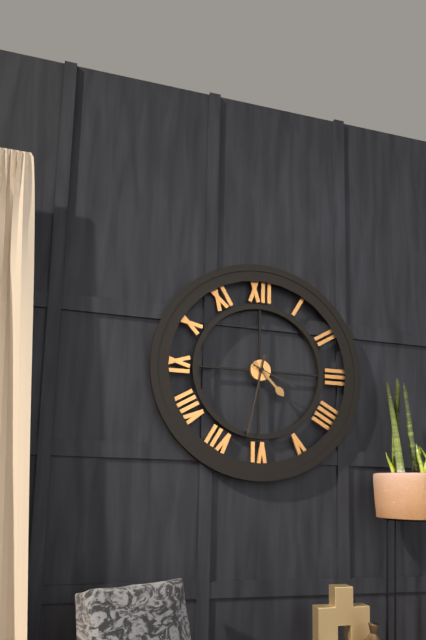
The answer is 4h32
